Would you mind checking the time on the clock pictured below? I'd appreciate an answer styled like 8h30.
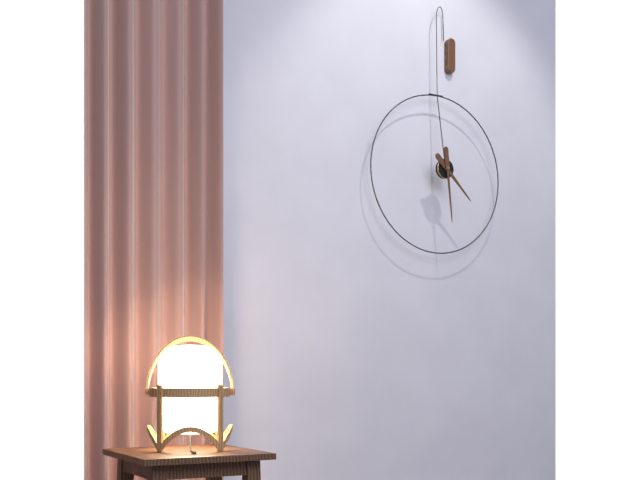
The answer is 4h29
